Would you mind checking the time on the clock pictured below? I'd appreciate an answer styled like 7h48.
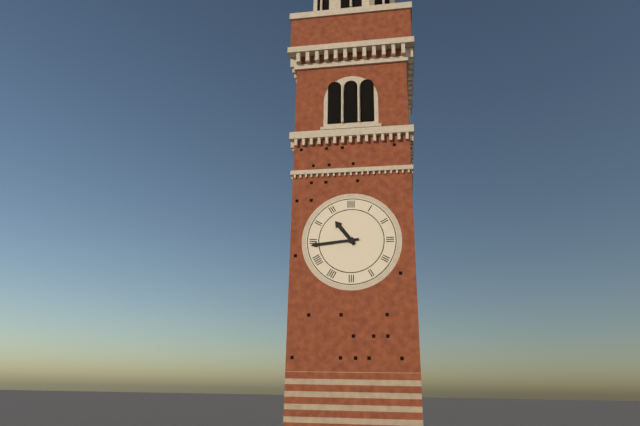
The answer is 10h44
